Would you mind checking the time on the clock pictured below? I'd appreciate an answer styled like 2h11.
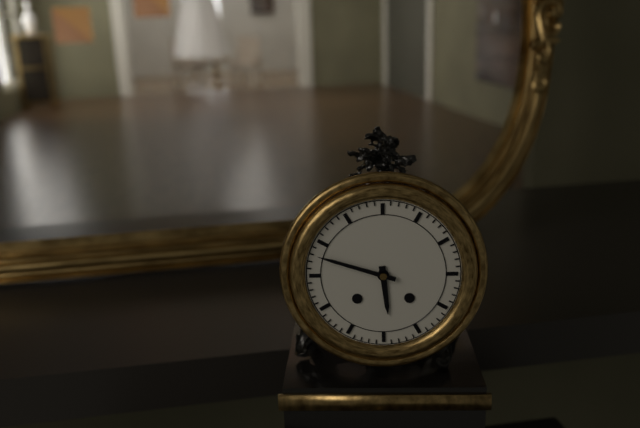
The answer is 5h48
